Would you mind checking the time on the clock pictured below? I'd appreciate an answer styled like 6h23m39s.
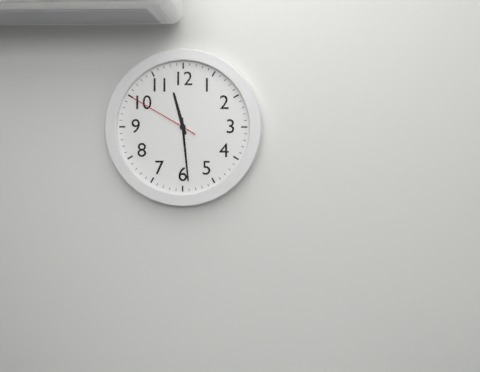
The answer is 11h29m50s
